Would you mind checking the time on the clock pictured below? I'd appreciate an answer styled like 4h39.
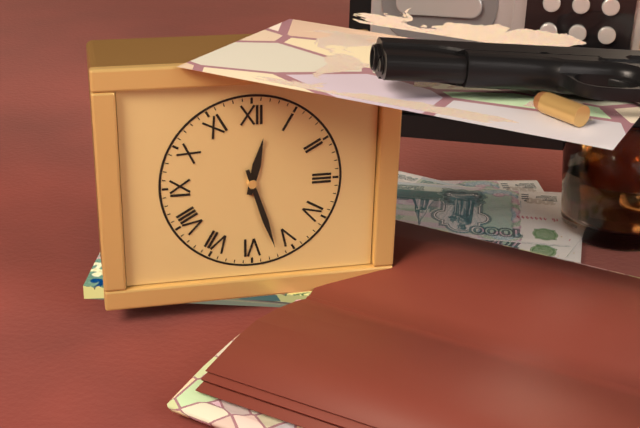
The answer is 12h27
